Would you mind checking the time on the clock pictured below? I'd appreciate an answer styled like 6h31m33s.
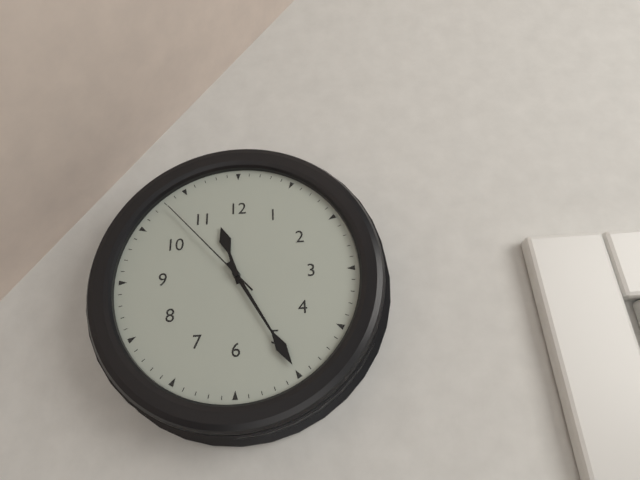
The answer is 11h25m53s
